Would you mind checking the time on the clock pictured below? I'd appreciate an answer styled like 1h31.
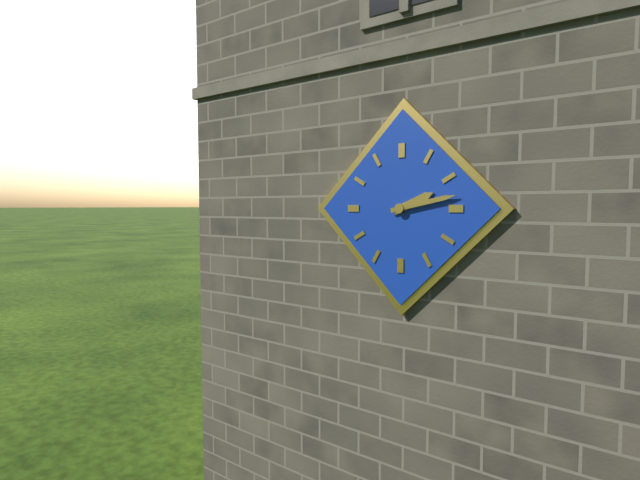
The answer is 2h13
